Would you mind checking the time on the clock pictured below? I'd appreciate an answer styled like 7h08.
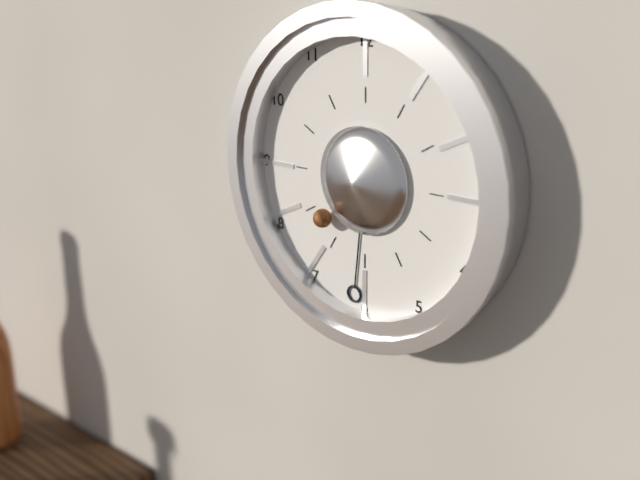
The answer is 7h31
